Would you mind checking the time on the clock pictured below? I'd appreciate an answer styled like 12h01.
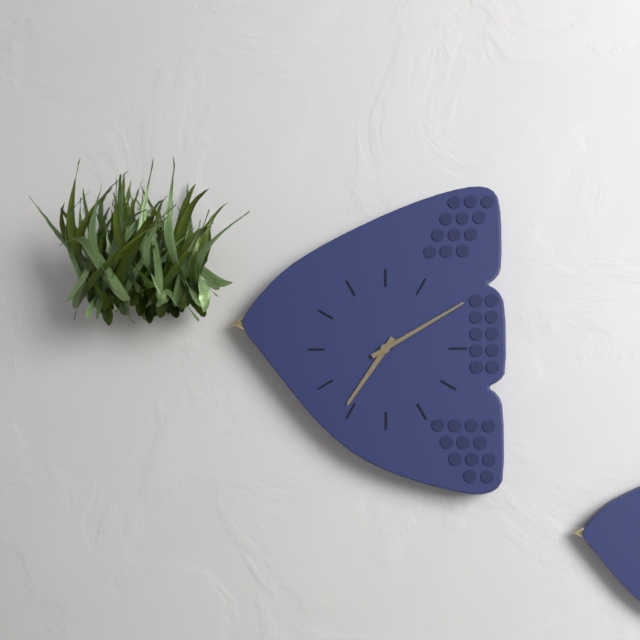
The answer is 7h10
